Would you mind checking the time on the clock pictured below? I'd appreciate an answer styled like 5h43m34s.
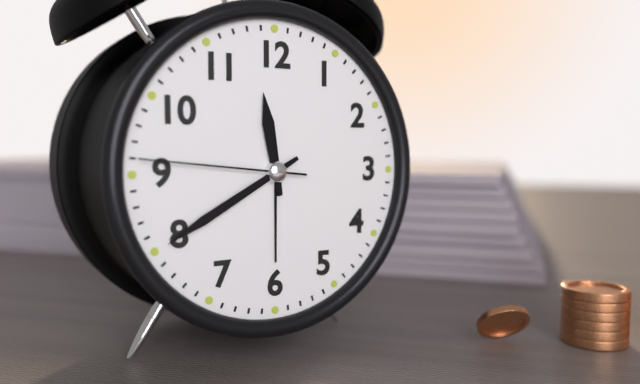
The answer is 11h40m46s
